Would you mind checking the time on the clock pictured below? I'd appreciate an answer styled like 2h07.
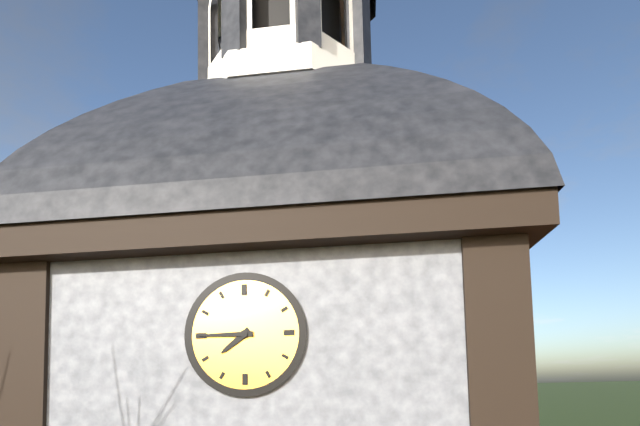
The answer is 7h45
